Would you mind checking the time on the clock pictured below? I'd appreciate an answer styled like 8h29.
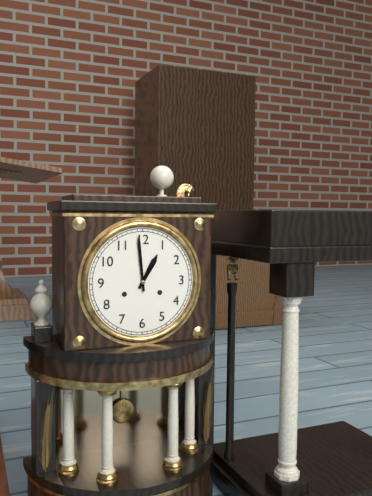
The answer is 12h59
